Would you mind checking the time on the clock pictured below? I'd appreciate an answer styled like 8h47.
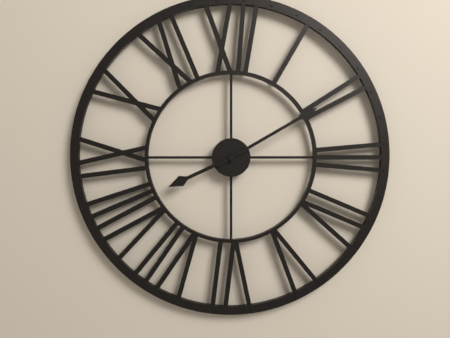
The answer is 8h10
